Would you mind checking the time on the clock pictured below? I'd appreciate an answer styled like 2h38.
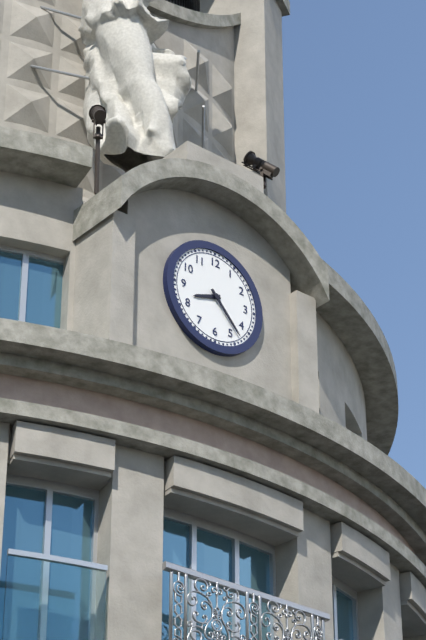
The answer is 8h23
